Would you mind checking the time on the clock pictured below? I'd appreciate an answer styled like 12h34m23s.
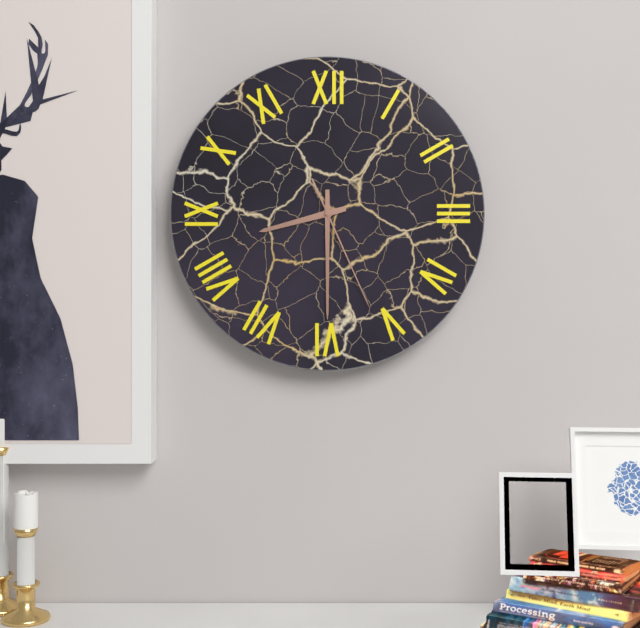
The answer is 8h30m26s
